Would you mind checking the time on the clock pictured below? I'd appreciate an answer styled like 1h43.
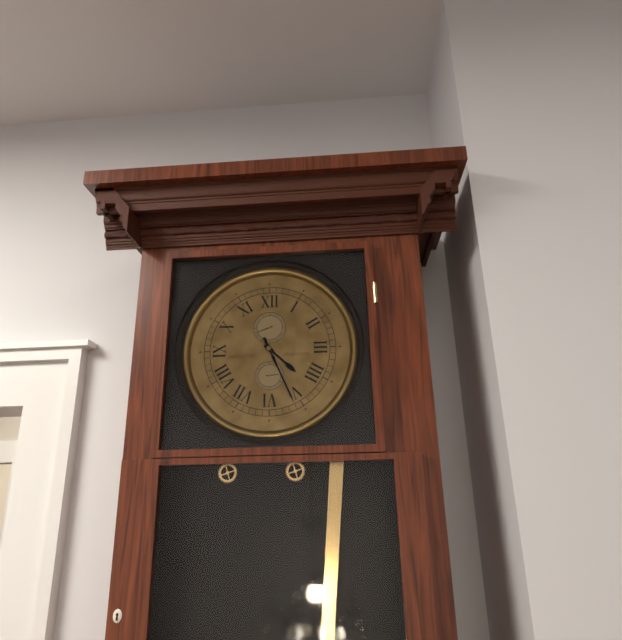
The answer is 4h26
